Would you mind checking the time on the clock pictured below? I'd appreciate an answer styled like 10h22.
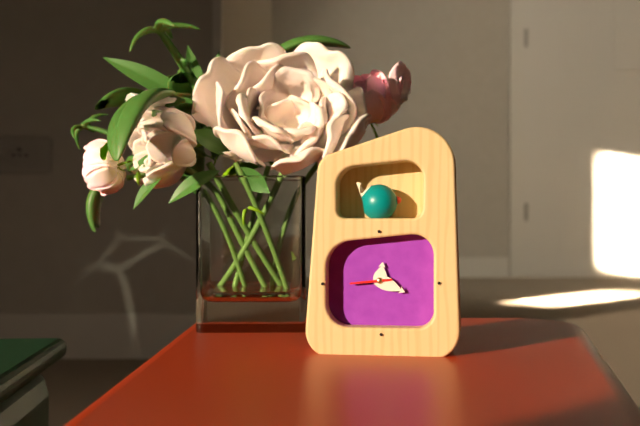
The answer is 12h19
